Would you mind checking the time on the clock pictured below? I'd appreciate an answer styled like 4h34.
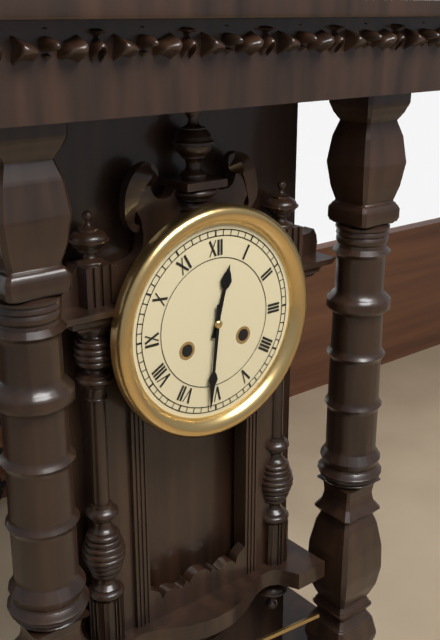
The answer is 12h31
